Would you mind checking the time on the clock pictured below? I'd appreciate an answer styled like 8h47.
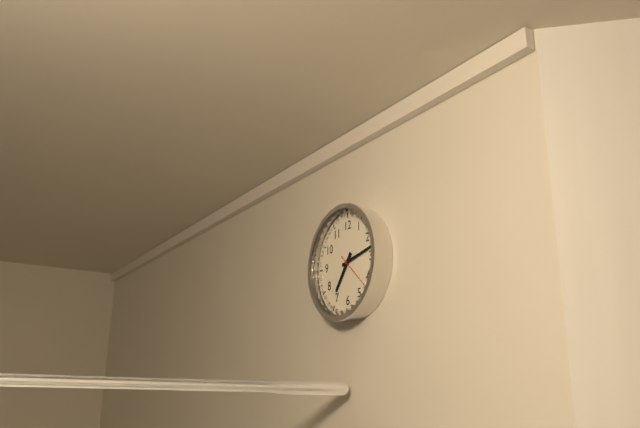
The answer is 7h13
